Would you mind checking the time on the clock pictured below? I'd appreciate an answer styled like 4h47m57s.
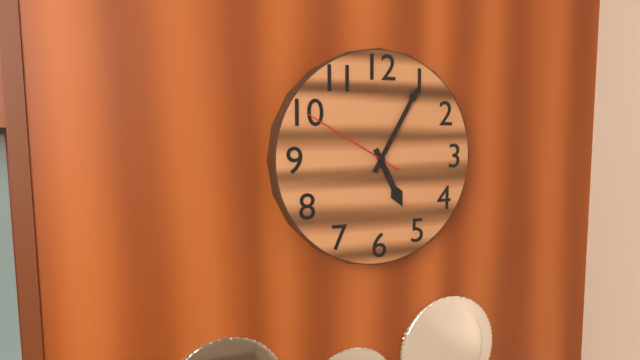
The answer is 5h05m50s
